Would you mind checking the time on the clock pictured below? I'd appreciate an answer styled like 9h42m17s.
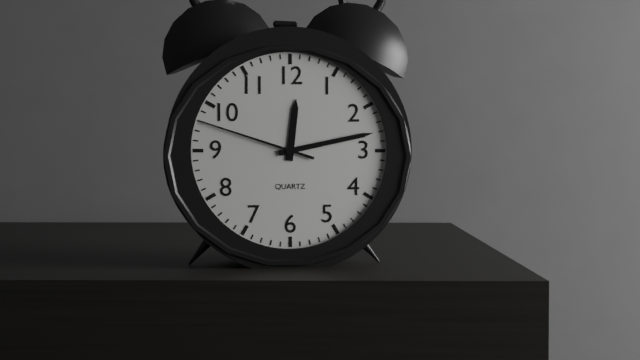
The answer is 12h13m48s
